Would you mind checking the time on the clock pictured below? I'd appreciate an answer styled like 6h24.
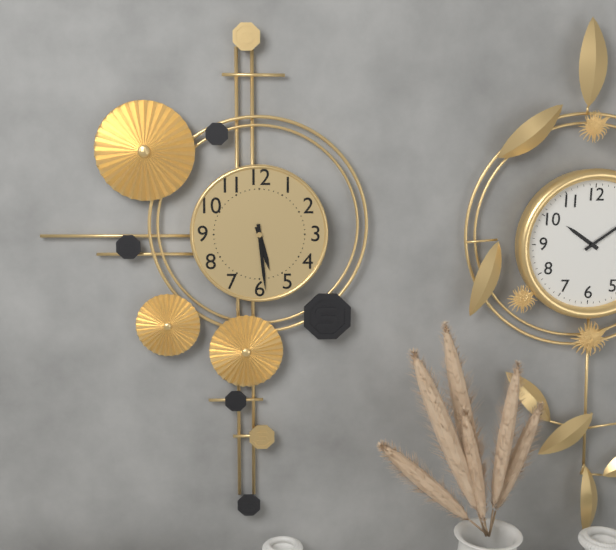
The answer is 5h29
